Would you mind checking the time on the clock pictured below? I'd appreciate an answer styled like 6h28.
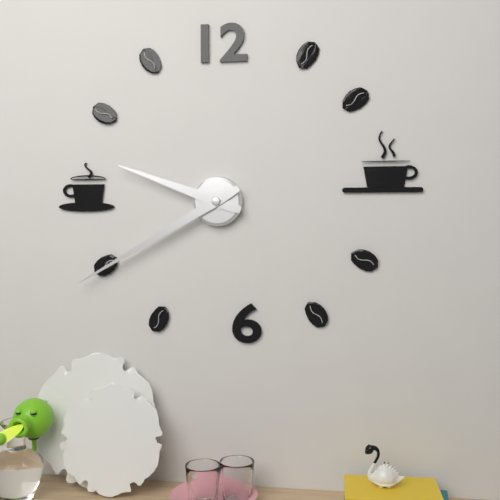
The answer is 9h40
